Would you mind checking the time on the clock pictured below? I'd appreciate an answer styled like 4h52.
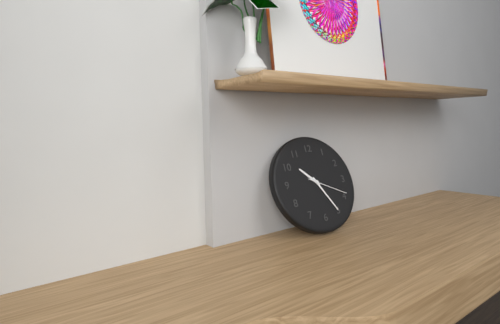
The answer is 10h25
